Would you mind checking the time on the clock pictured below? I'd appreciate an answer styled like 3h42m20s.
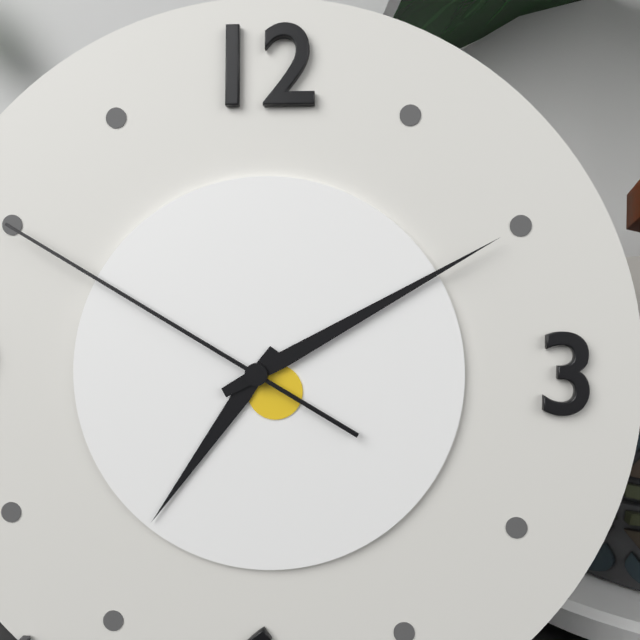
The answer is 7h10m50s
